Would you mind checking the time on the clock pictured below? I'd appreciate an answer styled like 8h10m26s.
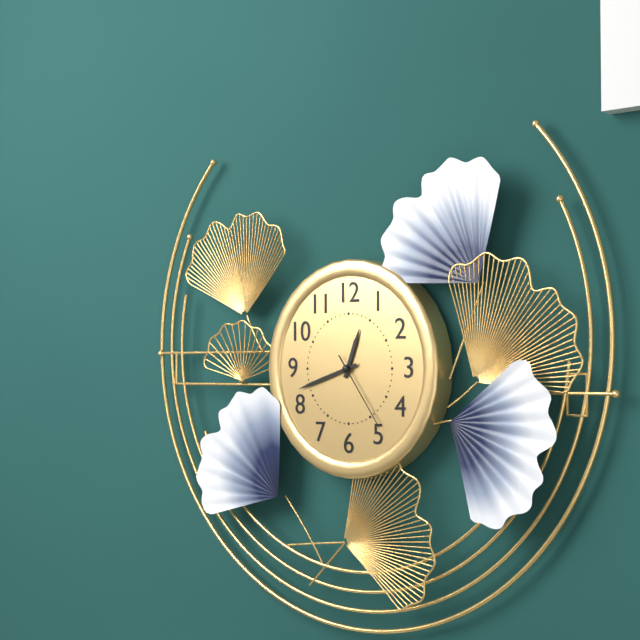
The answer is 12h42m24s
